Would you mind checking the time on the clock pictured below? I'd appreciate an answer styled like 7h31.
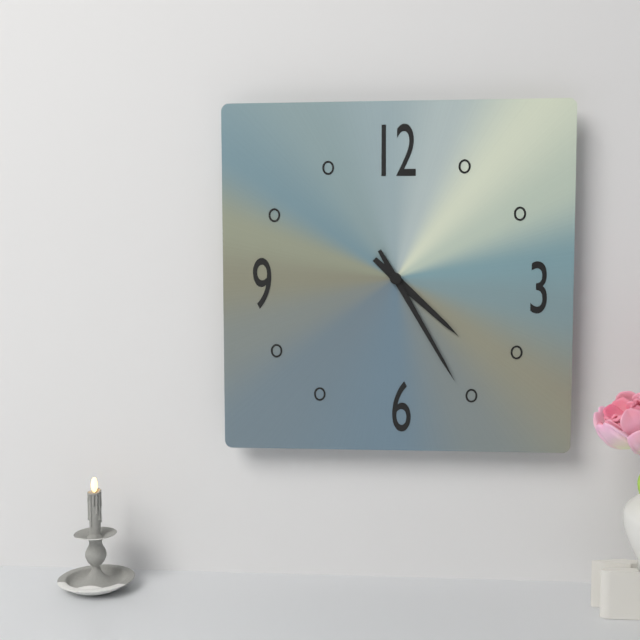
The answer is 4h25
